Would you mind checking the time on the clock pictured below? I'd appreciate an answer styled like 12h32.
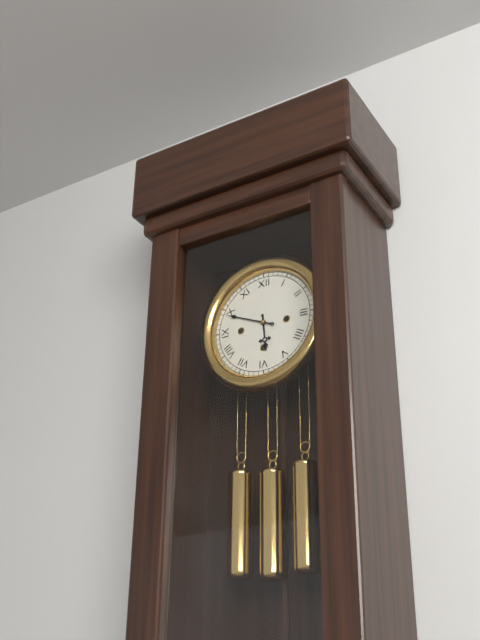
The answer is 5h49
